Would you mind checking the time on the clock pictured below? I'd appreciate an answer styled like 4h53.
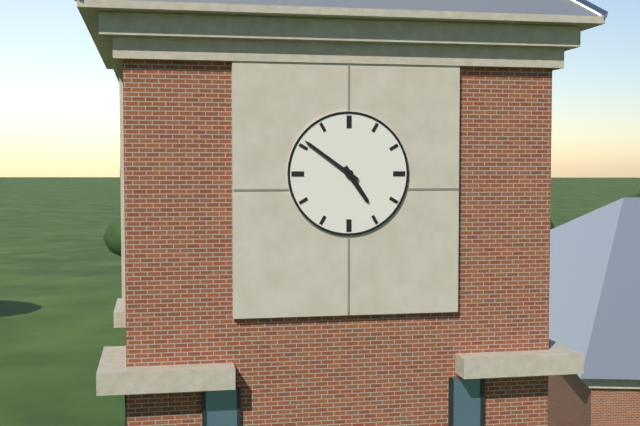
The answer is 4h51
